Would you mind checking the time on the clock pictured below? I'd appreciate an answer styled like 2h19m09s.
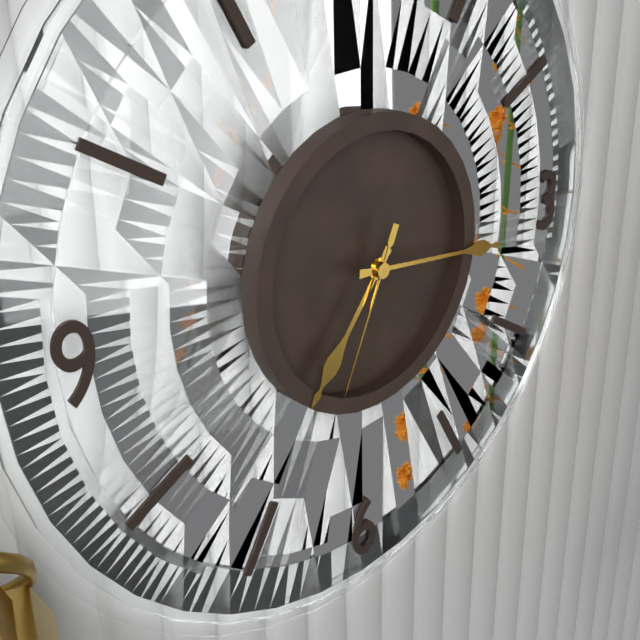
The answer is 7h16m34s
